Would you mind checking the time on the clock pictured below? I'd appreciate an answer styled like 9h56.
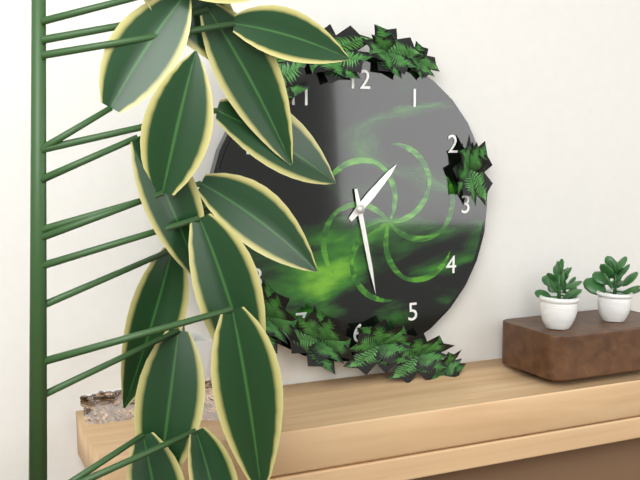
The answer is 1h28
